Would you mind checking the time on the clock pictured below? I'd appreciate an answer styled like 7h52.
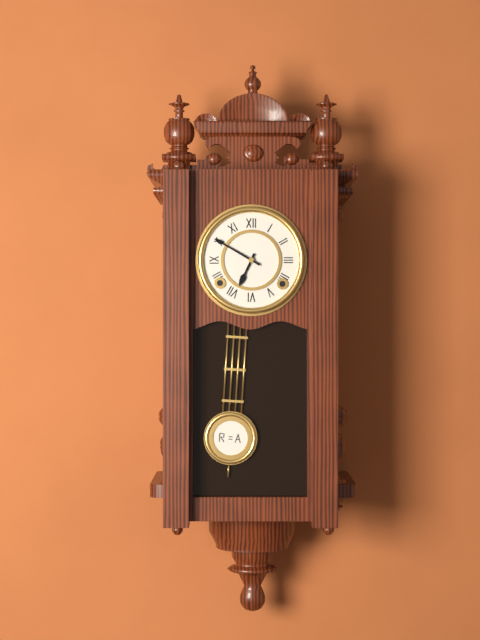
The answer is 6h50
